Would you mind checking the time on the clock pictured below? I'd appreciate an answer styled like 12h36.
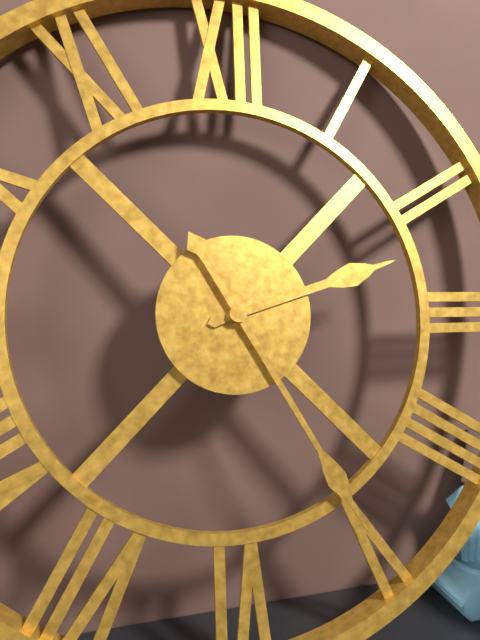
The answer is 2h25
